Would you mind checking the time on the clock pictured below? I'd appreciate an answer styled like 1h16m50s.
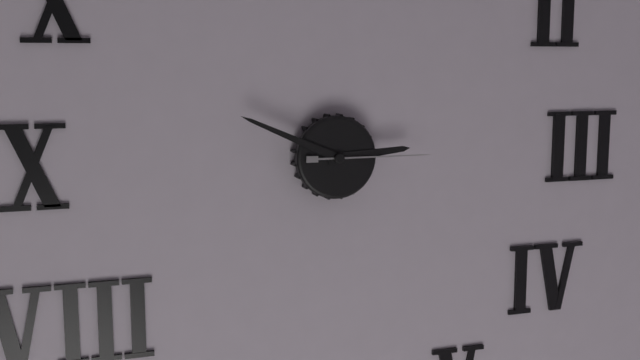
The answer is 2h49m15s
